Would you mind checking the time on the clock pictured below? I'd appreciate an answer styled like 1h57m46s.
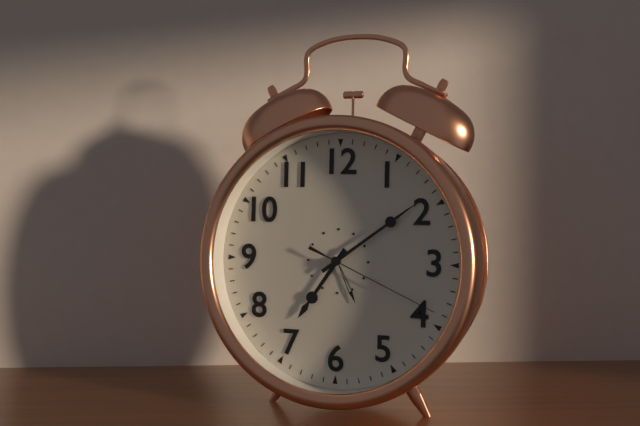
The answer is 7h09m19s
